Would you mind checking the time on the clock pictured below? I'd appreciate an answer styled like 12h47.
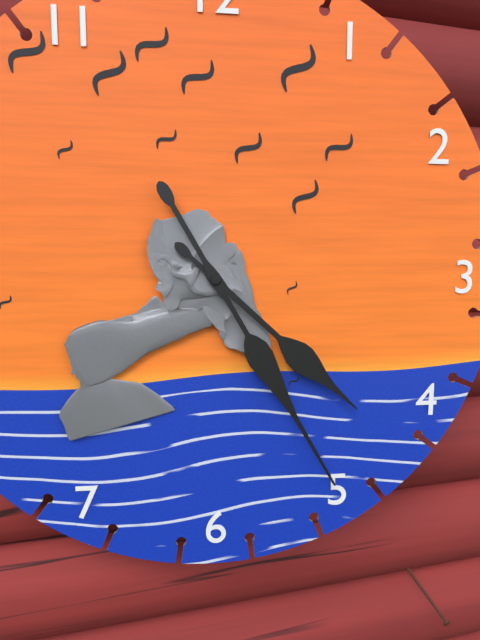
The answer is 4h25
